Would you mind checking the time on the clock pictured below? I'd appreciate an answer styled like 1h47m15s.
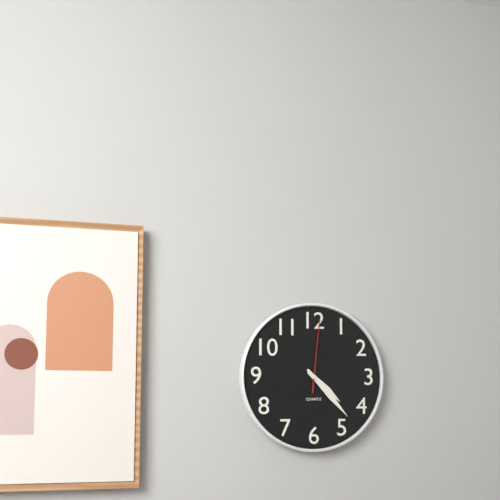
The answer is 4h23m01s
